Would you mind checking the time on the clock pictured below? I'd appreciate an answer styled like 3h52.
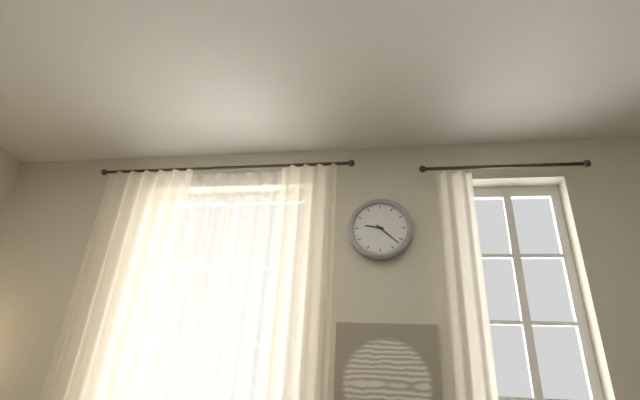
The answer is 9h22
